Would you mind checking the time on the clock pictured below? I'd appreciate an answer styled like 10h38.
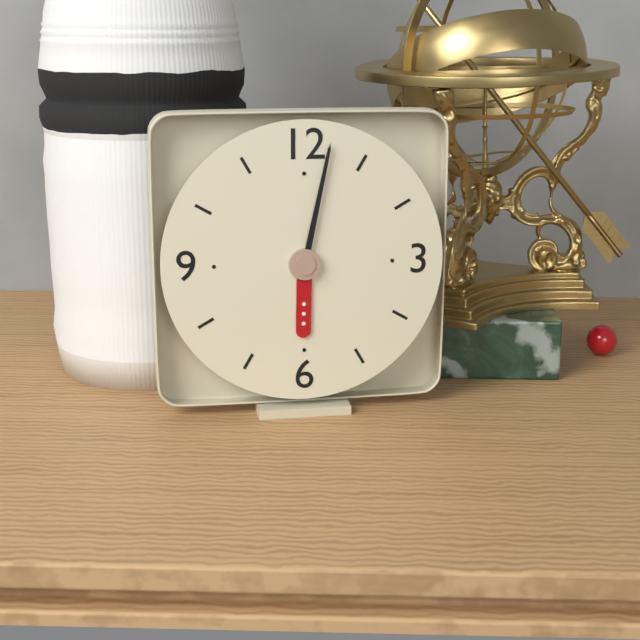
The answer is 6h02
